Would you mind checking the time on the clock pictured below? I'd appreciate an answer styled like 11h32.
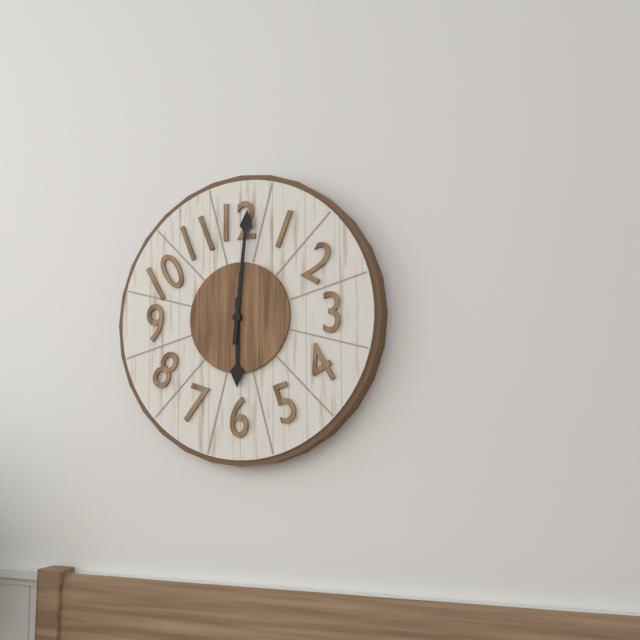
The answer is 6h01
